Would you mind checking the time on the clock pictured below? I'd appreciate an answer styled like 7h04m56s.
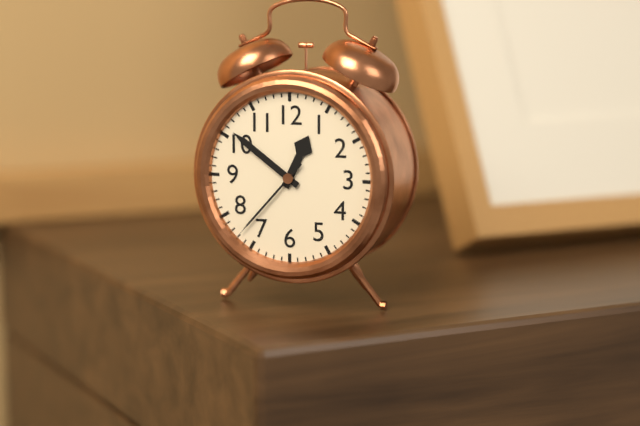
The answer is 12h51m37s
